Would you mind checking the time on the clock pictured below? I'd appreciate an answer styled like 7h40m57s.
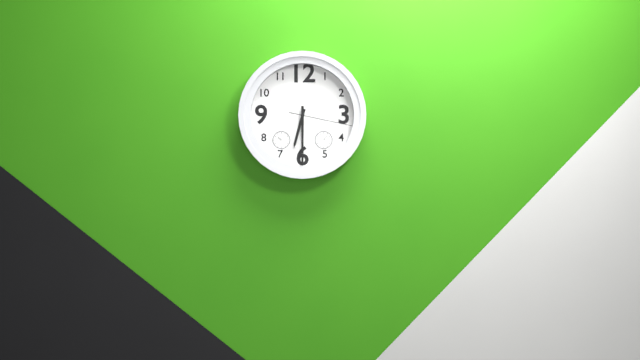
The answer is 6h30m17s
